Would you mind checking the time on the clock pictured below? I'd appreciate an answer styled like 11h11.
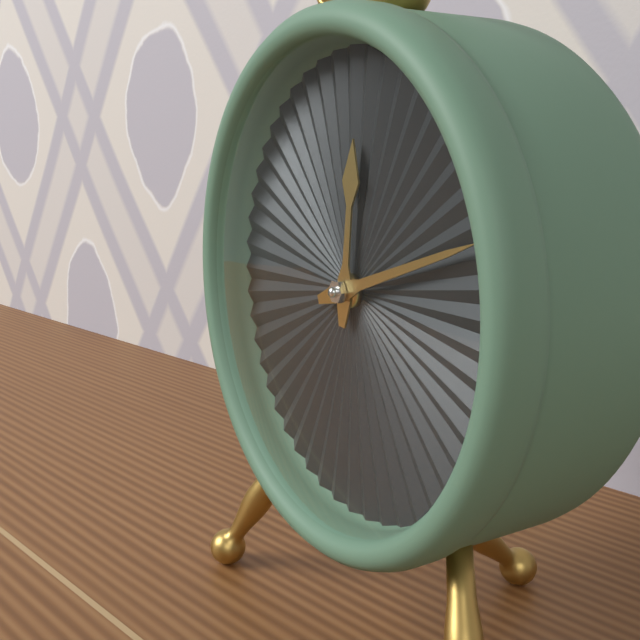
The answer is 12h12
